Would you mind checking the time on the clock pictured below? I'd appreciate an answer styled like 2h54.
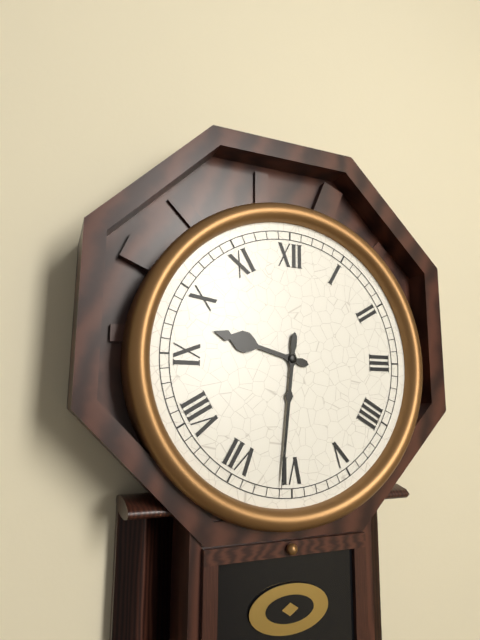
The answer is 9h31
